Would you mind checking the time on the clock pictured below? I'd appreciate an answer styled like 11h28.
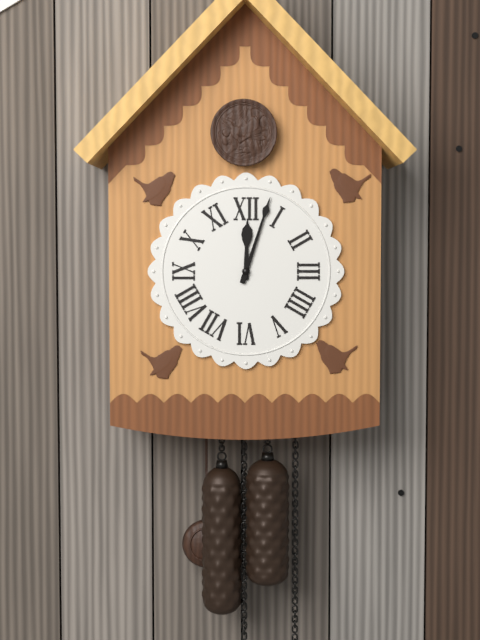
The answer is 12h03
